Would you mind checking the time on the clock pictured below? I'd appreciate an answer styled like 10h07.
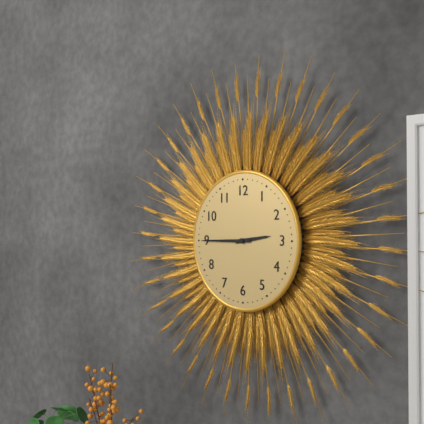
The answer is 2h45
